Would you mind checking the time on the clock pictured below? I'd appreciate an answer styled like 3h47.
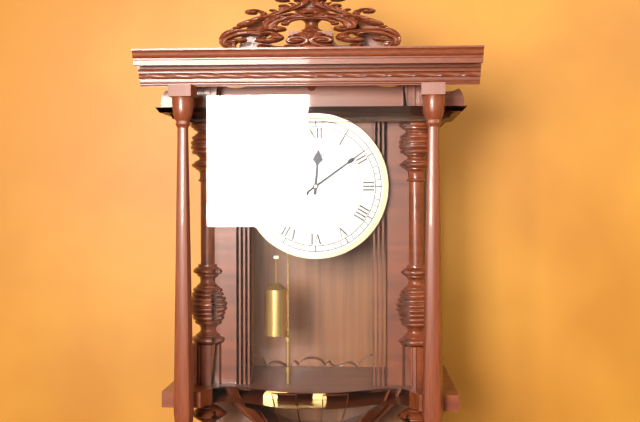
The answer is 12h09
